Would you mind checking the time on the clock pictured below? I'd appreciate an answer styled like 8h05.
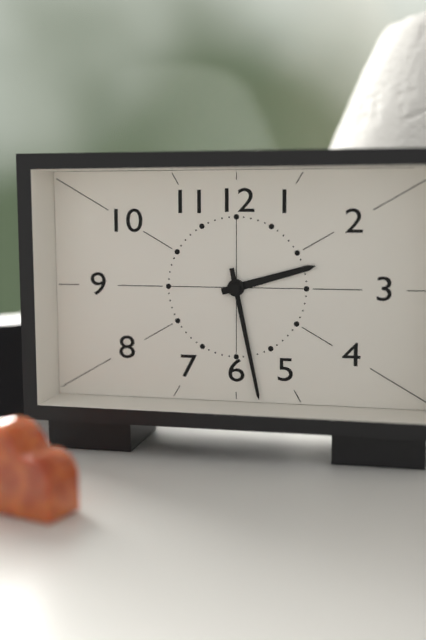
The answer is 2h28
